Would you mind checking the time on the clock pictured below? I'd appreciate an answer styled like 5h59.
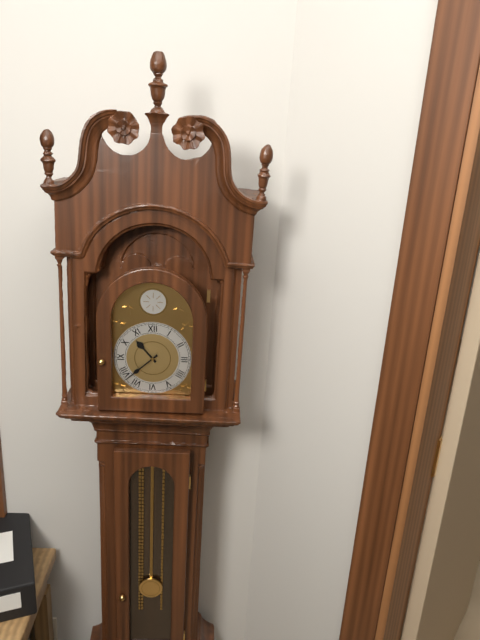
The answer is 10h38
